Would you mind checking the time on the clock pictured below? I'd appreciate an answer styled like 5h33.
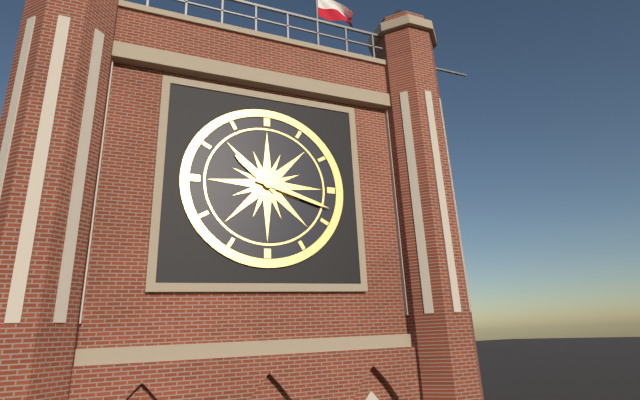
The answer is 10h18
